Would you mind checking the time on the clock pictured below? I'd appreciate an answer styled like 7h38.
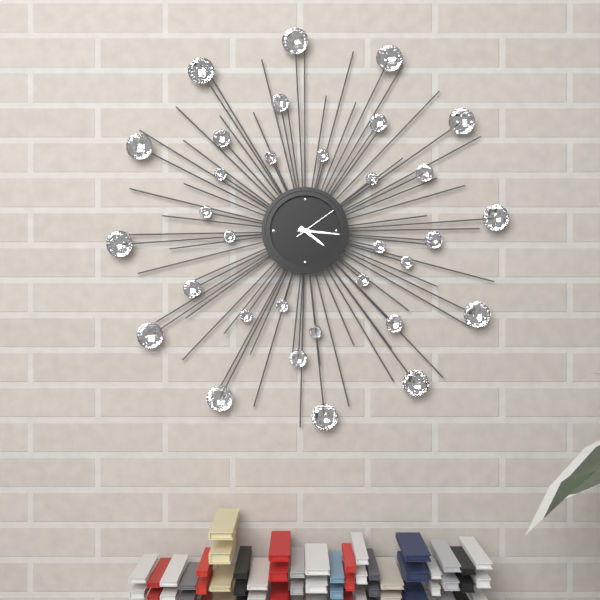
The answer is 4h16
